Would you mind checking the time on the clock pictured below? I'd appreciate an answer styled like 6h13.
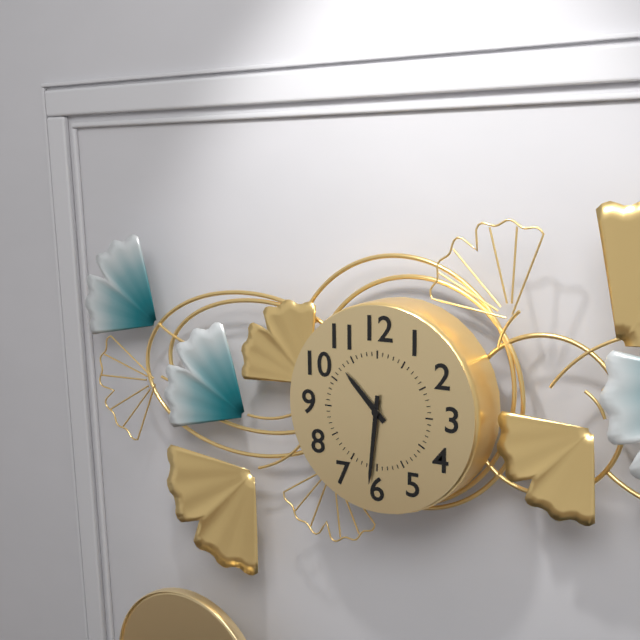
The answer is 10h31
